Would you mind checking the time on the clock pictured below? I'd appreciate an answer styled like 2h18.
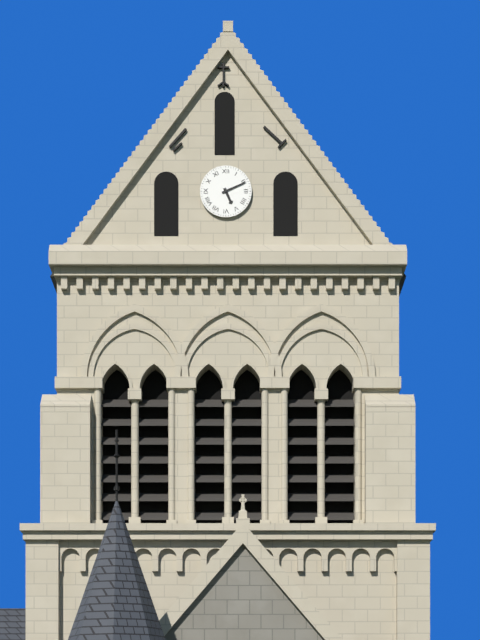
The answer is 5h11
